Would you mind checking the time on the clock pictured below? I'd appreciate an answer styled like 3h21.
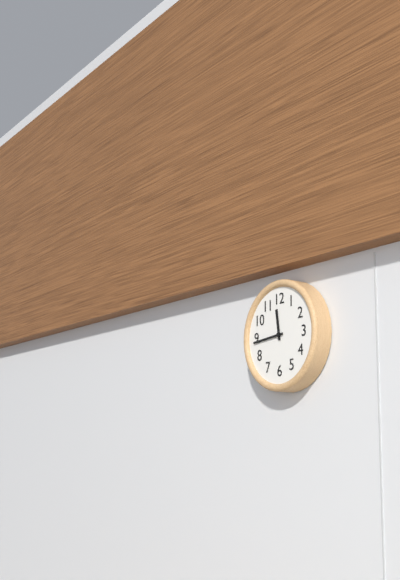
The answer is 11h44
